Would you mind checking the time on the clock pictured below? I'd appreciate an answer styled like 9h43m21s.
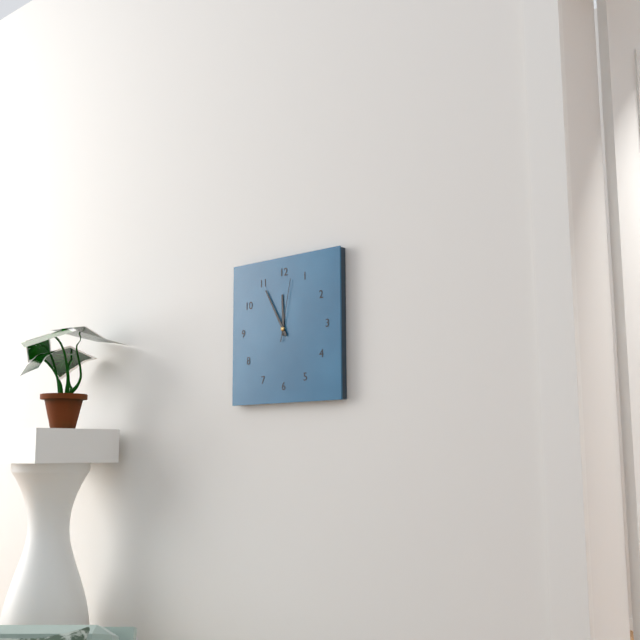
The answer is 11h55m02s
